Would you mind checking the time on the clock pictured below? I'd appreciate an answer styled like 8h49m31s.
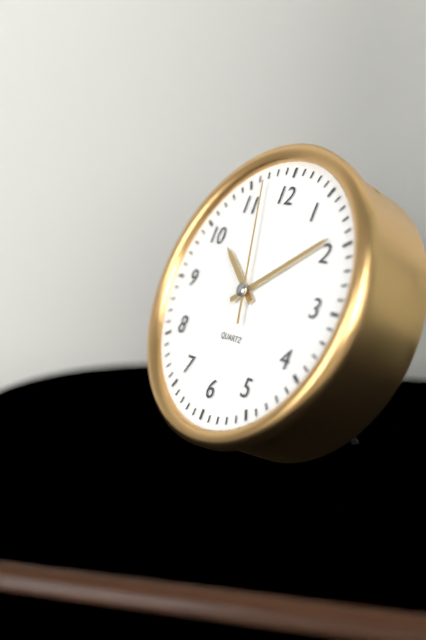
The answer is 10h09m57s
